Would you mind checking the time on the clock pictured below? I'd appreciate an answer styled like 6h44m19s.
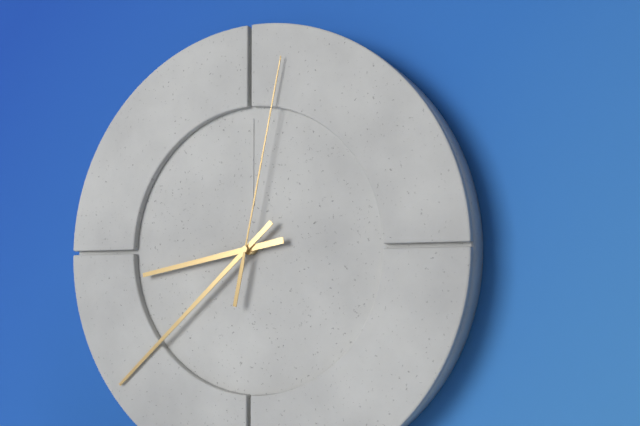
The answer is 8h38m02s
